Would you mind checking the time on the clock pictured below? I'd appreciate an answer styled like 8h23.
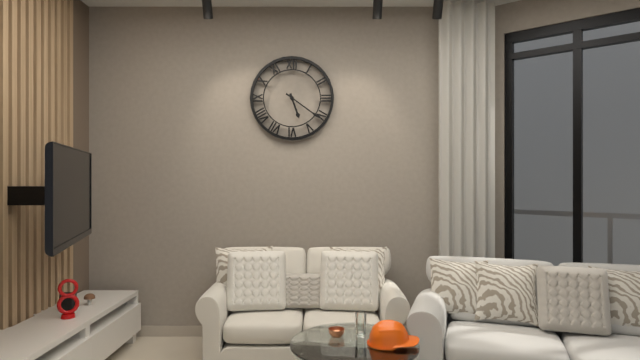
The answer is 5h21
